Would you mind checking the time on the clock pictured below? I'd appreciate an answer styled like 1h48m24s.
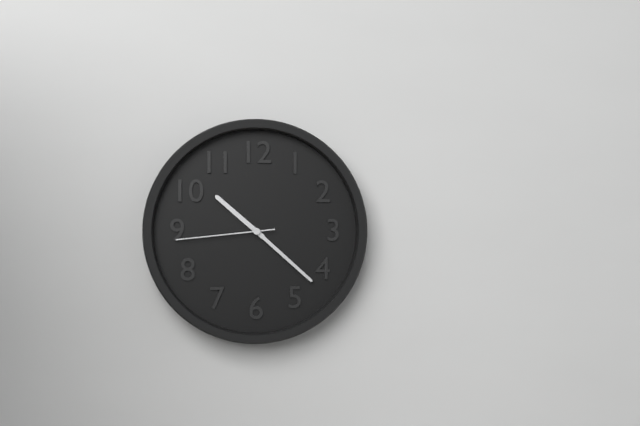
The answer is 10h22m44s
